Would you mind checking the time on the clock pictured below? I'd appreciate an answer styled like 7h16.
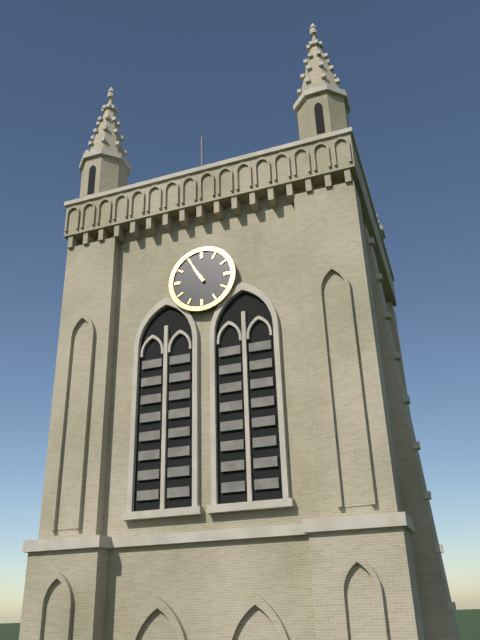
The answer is 10h55
